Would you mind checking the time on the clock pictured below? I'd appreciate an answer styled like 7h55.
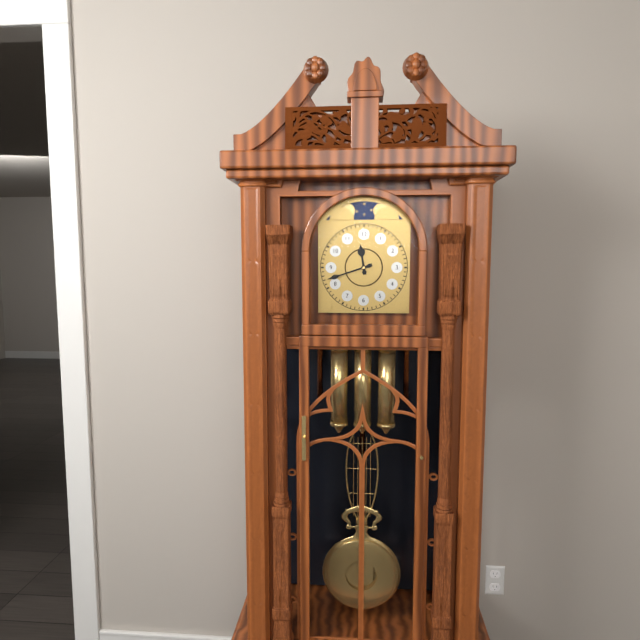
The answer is 11h42
